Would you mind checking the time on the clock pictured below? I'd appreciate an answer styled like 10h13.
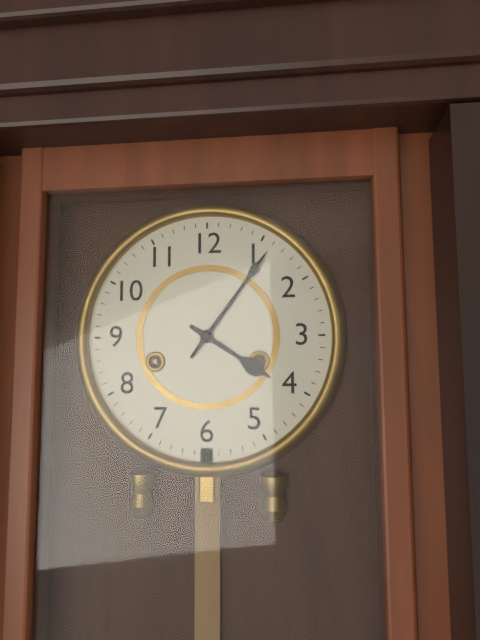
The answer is 4h06
